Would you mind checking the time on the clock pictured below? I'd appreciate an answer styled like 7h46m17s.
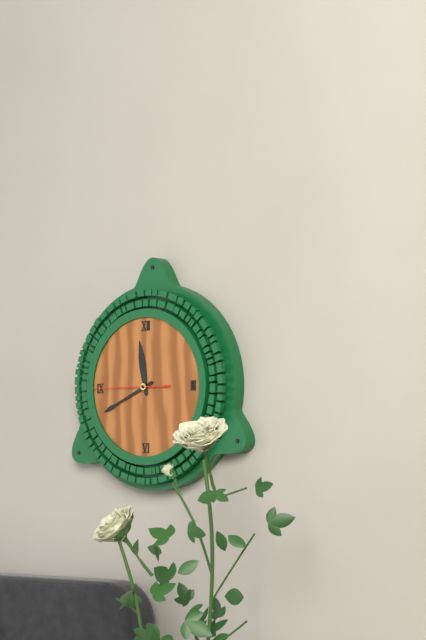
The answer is 11h41m45s
